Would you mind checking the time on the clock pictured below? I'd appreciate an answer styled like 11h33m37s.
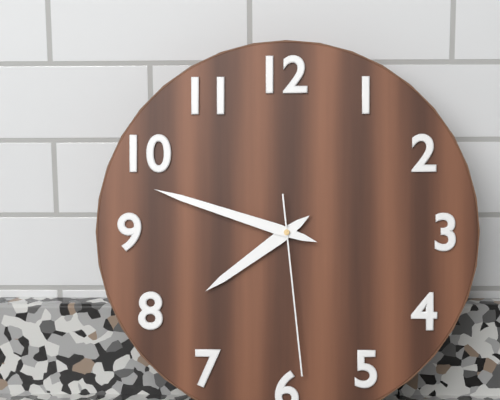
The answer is 7h48m29s
